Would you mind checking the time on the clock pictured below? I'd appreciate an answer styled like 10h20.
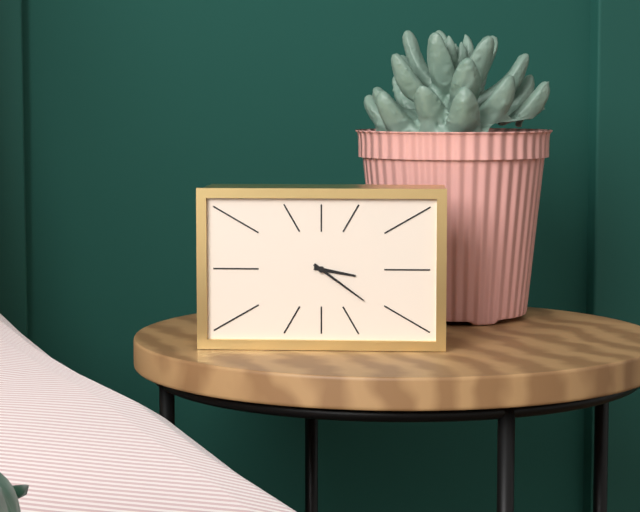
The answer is 3h21
